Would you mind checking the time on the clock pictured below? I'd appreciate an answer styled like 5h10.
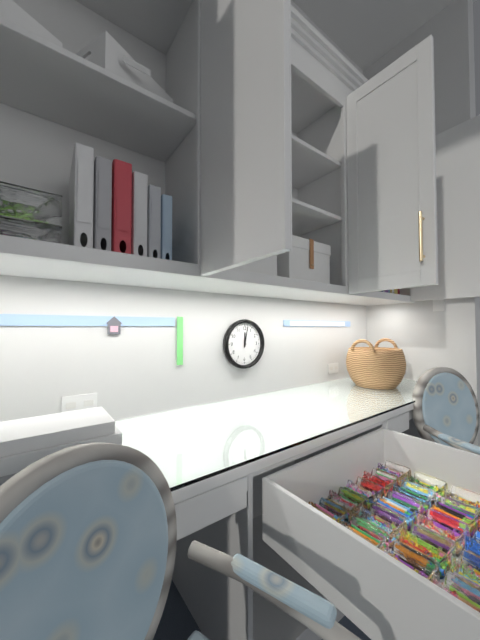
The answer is 12h02
